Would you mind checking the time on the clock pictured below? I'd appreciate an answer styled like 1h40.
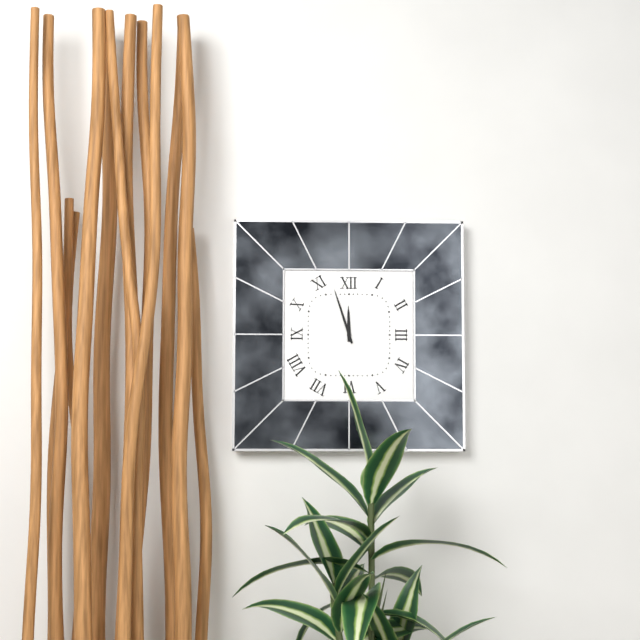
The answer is 11h57
